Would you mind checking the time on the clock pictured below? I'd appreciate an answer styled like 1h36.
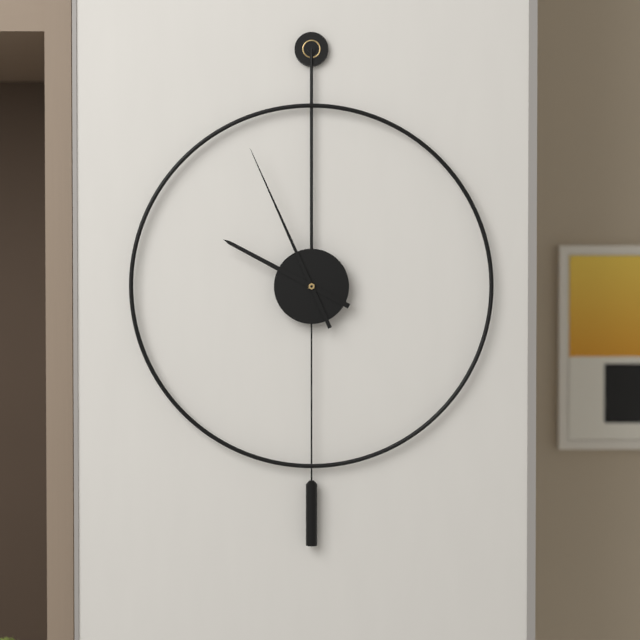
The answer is 9h56
